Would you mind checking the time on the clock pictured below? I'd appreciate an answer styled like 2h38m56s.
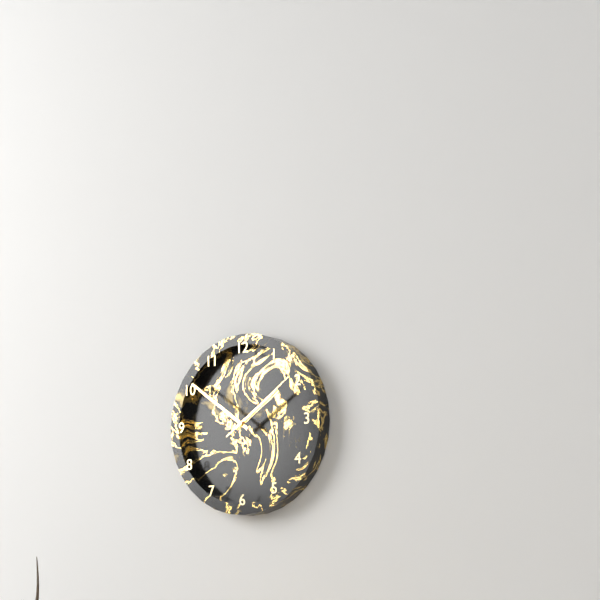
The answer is 1h51m09s
